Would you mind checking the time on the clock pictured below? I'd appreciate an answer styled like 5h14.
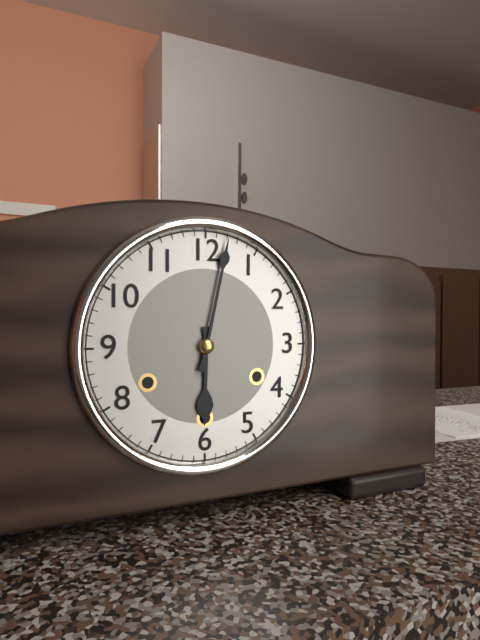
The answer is 6h02
